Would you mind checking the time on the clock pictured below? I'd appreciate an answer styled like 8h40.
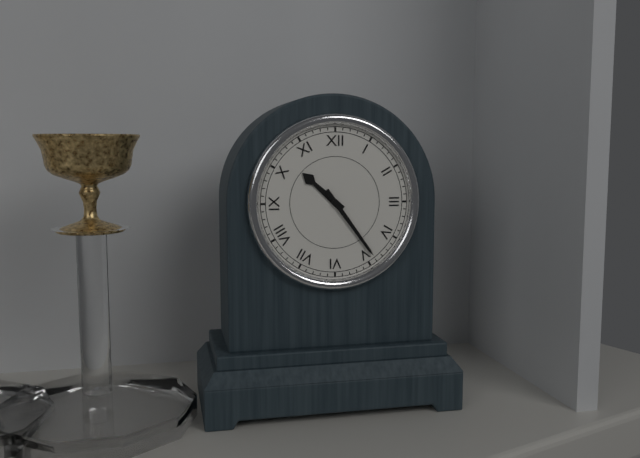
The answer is 10h24
